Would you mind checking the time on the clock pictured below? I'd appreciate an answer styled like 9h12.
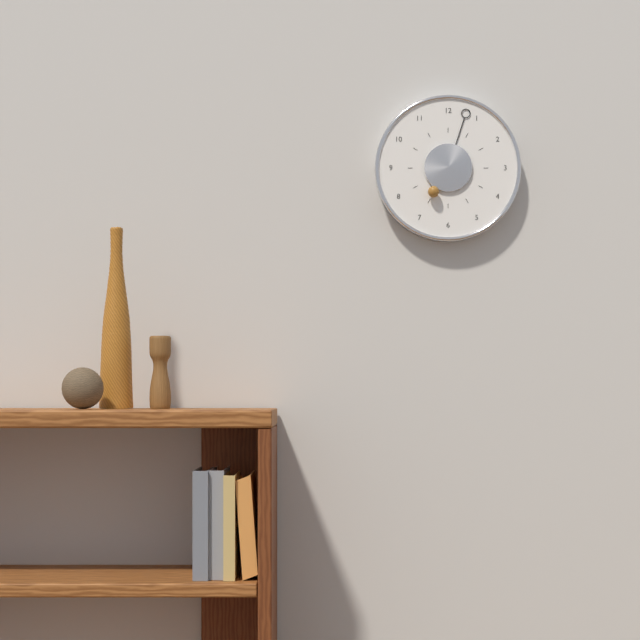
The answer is 7h03
